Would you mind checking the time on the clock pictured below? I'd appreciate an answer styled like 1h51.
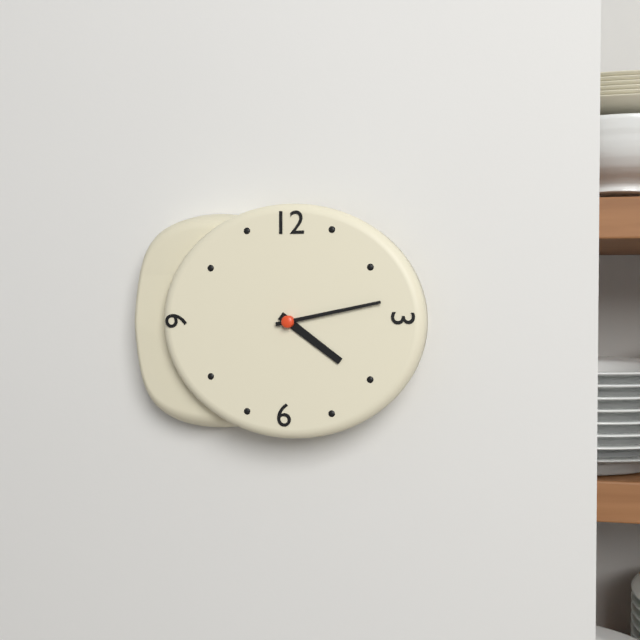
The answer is 4h13
